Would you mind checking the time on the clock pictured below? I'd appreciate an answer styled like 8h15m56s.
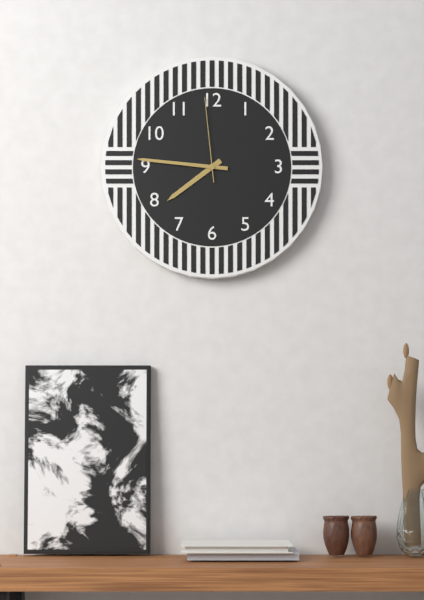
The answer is 7h46m59s
